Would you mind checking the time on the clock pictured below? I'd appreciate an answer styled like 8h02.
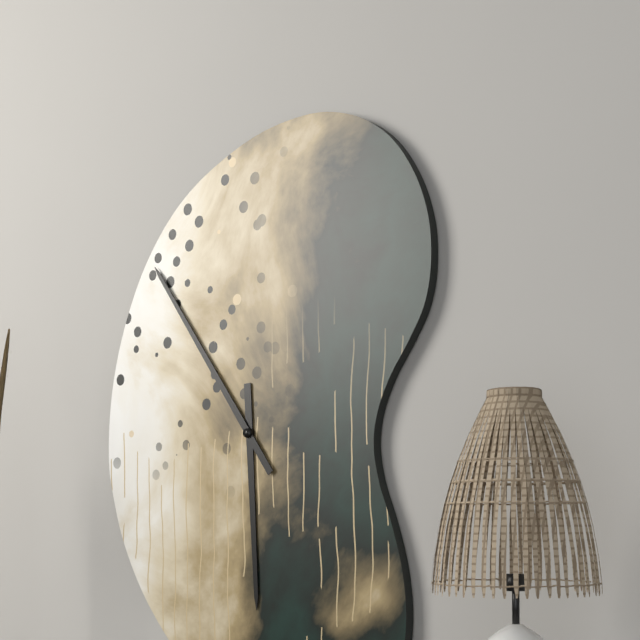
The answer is 5h54
